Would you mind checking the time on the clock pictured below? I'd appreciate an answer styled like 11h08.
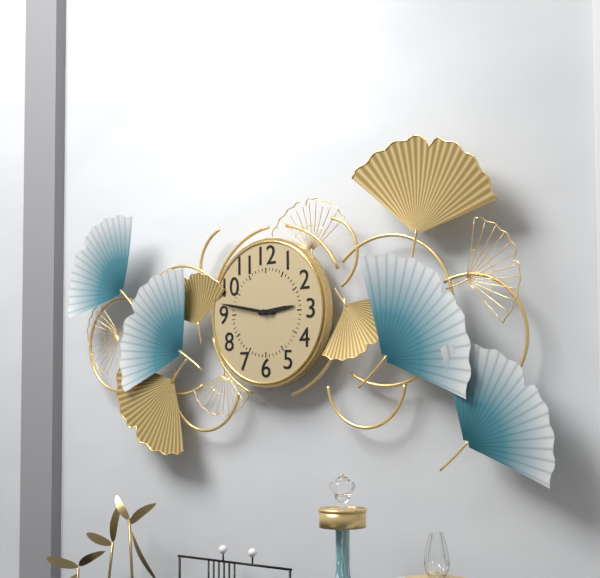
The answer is 2h47
